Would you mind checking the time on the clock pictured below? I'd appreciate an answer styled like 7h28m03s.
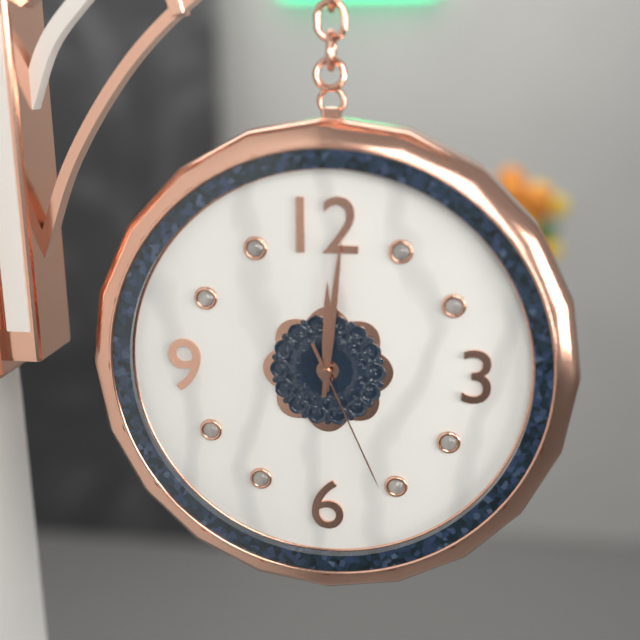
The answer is 12h01m26s
